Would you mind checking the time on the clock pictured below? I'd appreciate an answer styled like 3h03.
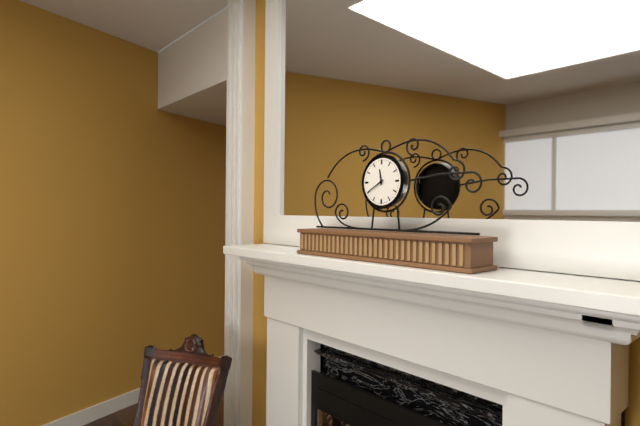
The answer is 11h40
